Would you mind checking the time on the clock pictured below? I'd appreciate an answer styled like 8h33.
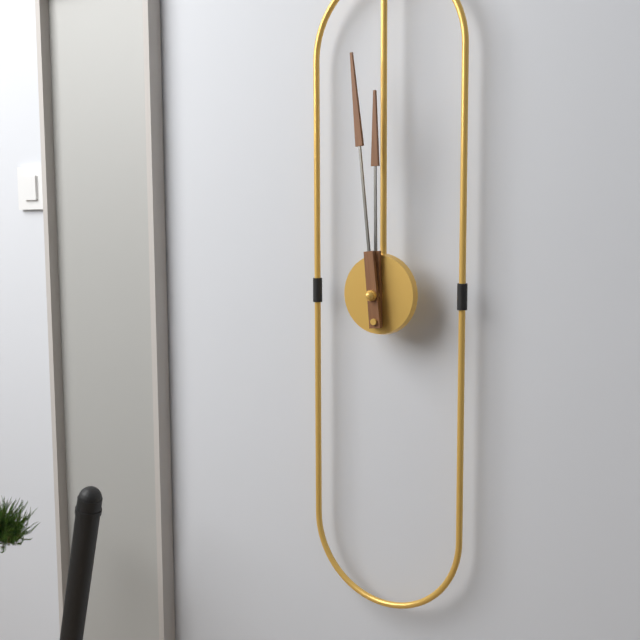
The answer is 11h59
